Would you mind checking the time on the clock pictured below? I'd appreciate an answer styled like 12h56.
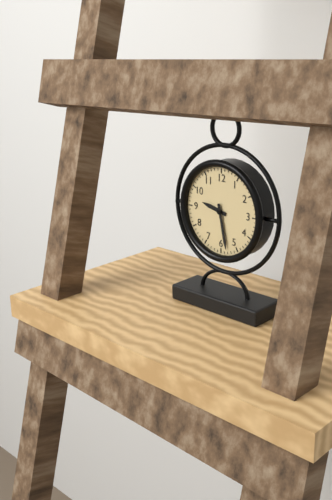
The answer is 9h28
